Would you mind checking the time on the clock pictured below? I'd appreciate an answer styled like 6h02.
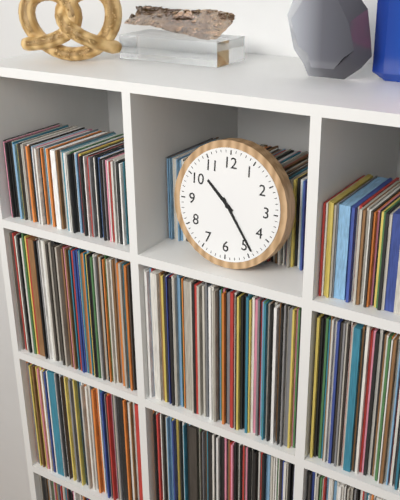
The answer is 10h24
